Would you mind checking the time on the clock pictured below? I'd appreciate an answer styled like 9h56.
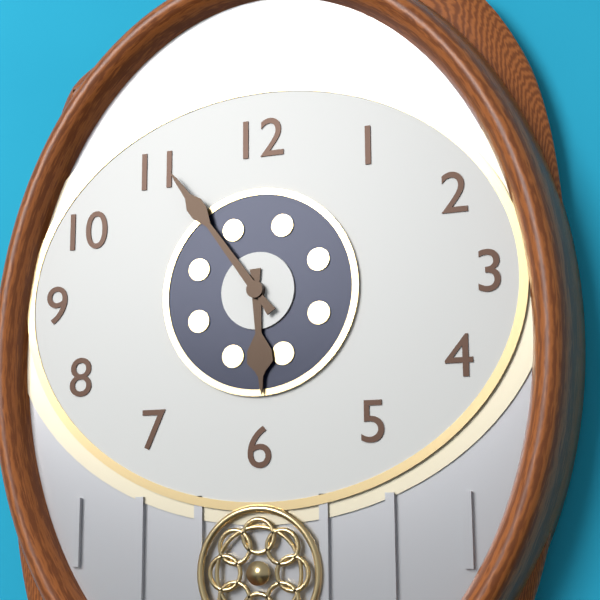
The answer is 5h54
